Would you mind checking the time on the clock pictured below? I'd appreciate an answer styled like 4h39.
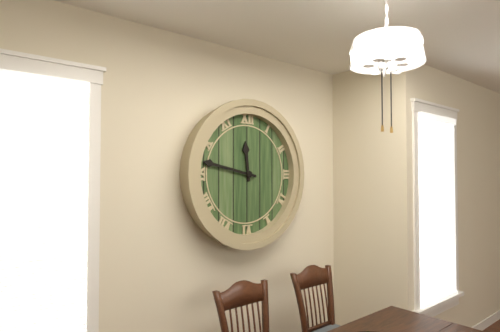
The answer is 11h47
